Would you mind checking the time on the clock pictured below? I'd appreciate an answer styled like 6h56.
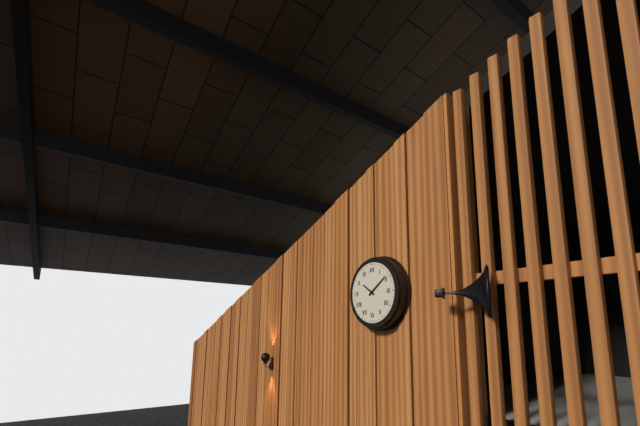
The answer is 10h09
